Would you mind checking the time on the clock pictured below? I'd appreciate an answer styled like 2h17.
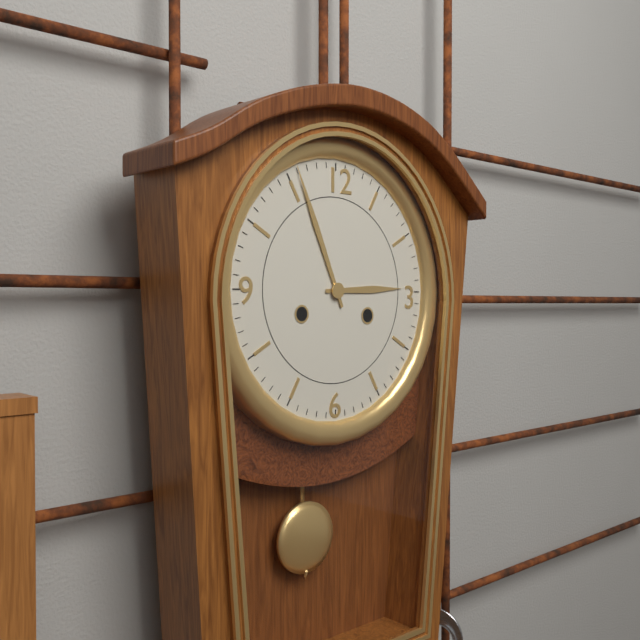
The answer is 2h56
